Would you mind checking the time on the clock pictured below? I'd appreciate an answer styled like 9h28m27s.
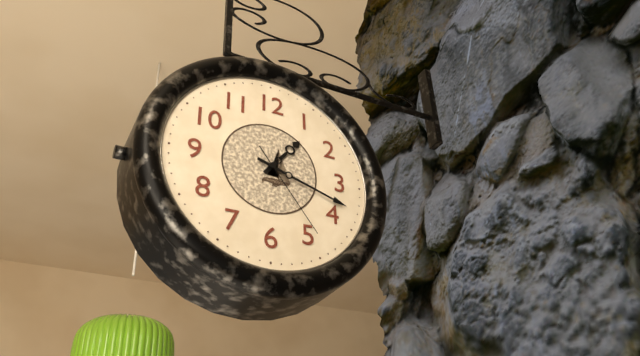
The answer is 1h18m24s
